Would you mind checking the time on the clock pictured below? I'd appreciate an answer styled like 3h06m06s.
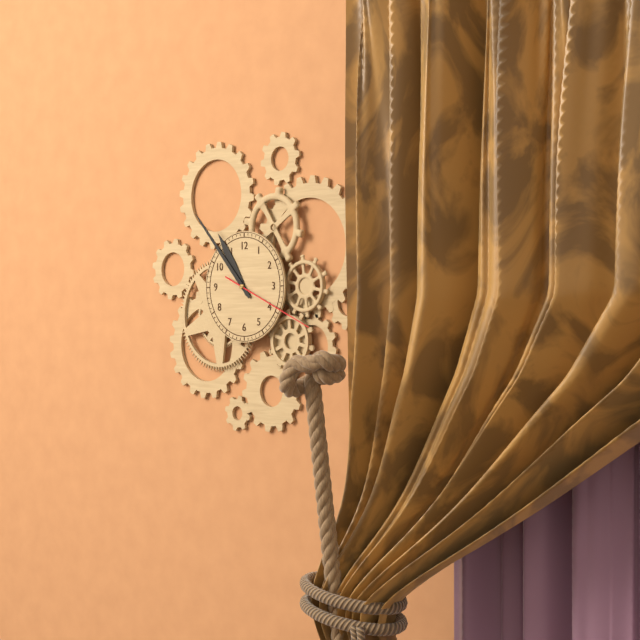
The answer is 10h53m19s
